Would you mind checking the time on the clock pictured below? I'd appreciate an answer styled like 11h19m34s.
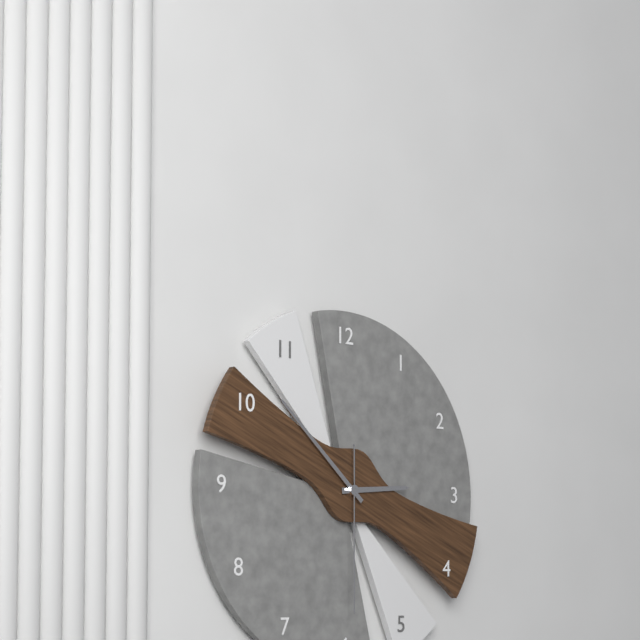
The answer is 2h52m30s
